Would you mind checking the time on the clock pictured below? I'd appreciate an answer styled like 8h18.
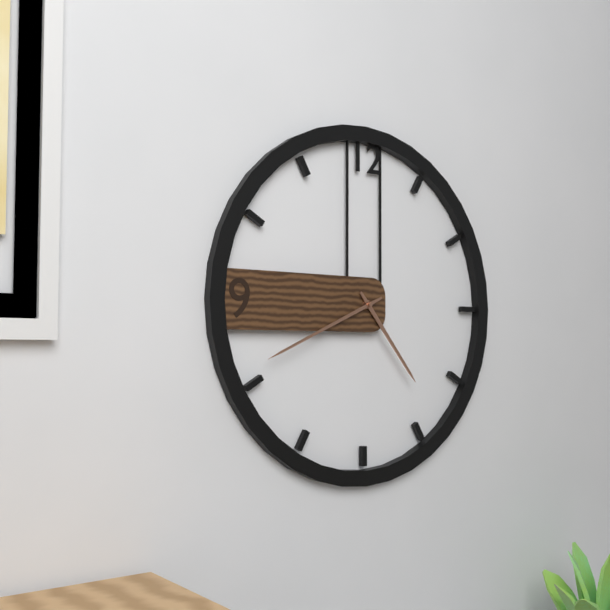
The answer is 4h41
